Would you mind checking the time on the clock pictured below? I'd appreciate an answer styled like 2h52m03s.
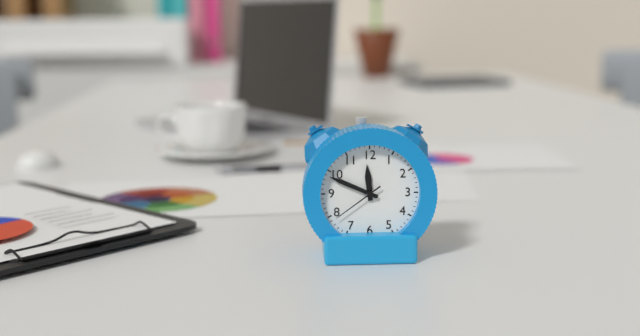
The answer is 11h49m39s
